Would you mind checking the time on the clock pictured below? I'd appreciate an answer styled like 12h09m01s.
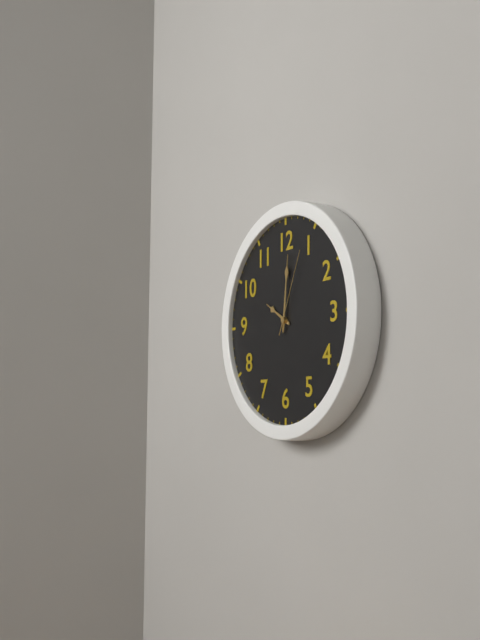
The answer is 10h01m04s
